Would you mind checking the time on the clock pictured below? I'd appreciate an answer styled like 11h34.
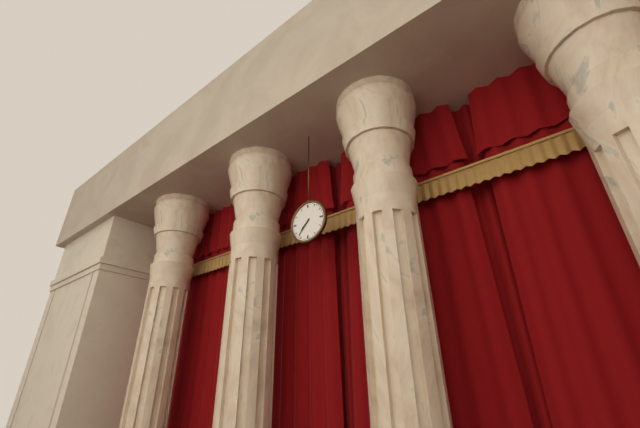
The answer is 7h37
